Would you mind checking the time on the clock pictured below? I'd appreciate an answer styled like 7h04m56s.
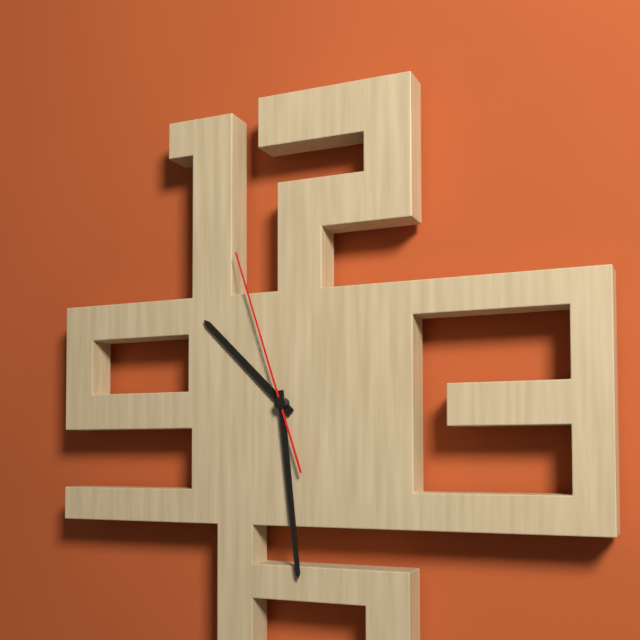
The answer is 10h29m57s
